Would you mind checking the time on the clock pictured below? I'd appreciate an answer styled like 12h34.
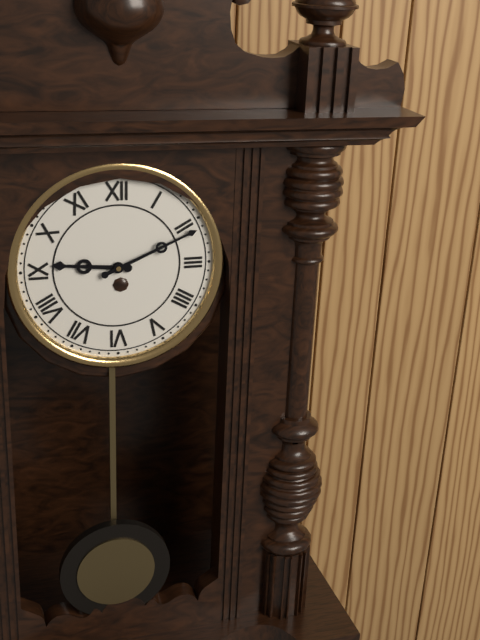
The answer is 9h11
